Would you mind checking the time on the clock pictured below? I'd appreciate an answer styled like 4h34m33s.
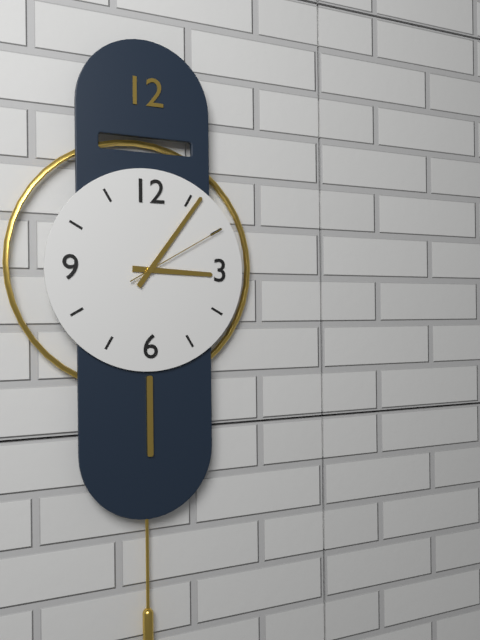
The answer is 3h06m10s
